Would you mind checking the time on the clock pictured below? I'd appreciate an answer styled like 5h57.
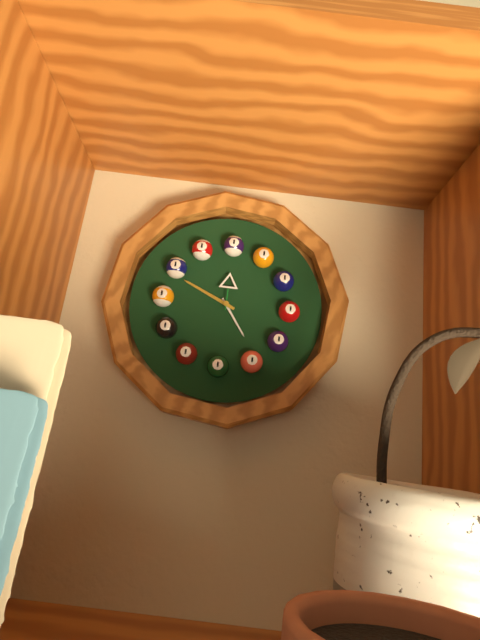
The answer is 4h49
